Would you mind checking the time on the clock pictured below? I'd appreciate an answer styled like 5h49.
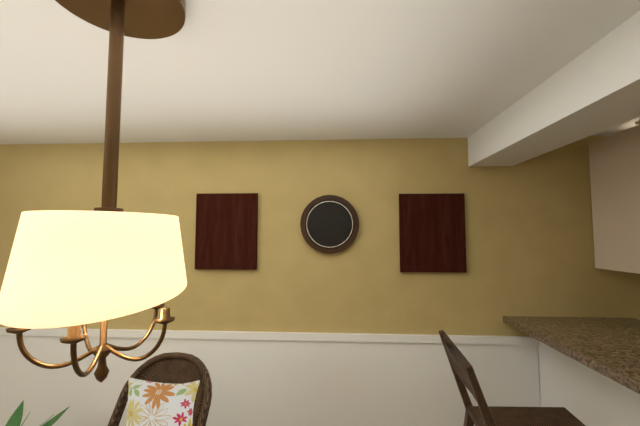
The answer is 7h45
